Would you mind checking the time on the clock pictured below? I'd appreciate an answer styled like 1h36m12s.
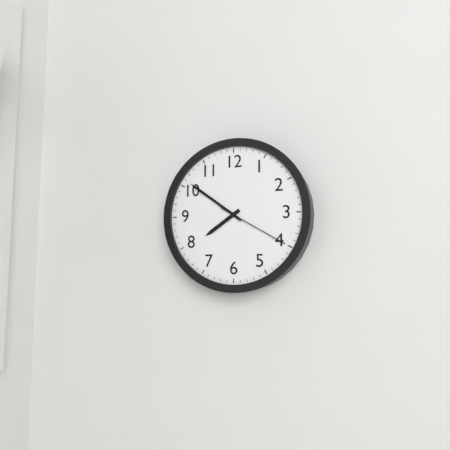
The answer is 7h51m20s
